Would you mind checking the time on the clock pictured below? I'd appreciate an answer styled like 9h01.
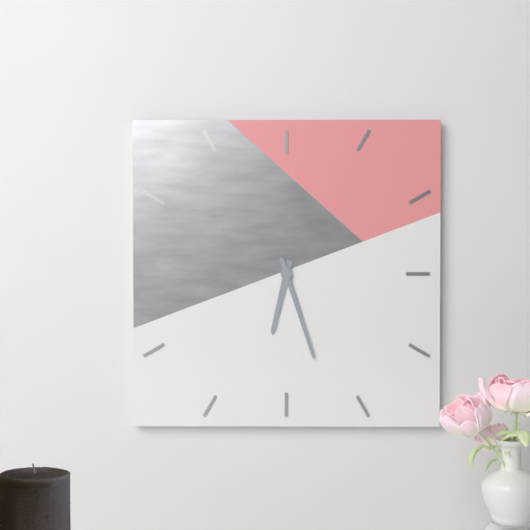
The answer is 6h27
